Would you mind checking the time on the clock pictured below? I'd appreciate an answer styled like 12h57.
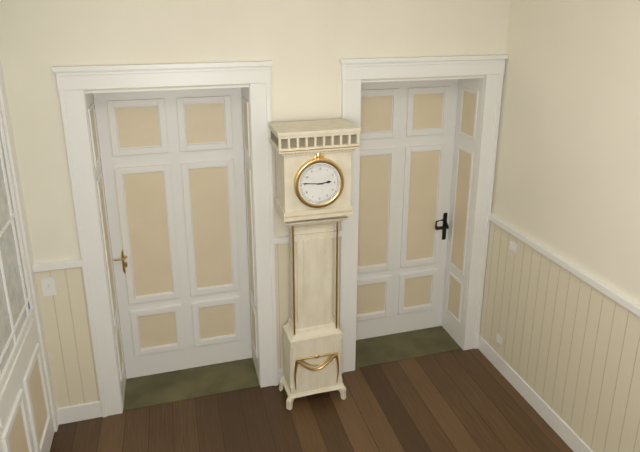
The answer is 2h46
